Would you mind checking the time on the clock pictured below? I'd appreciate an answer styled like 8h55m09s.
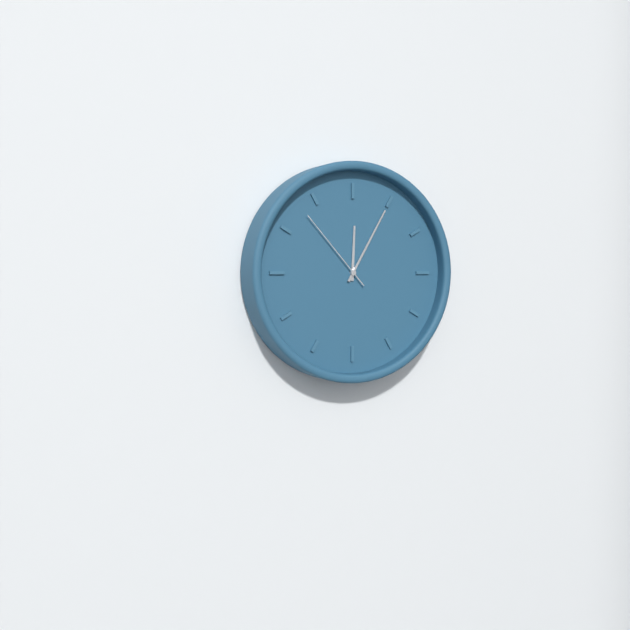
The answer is 12h05m53s
